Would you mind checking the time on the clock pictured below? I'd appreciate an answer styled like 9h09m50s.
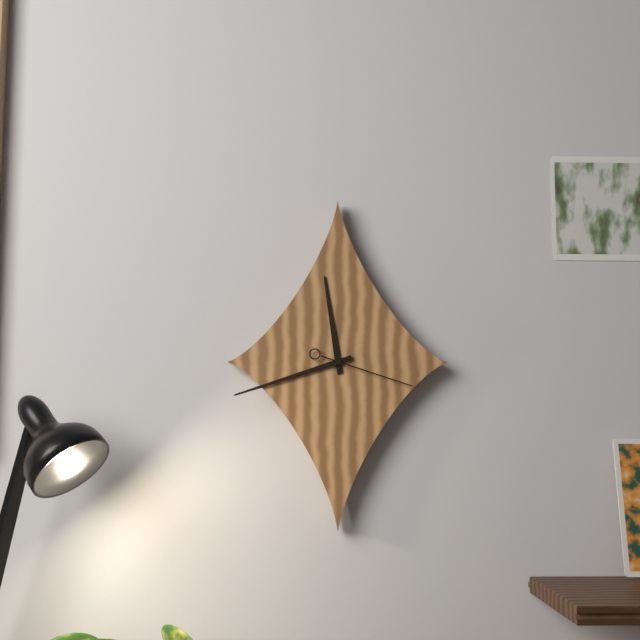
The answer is 11h42m18s
